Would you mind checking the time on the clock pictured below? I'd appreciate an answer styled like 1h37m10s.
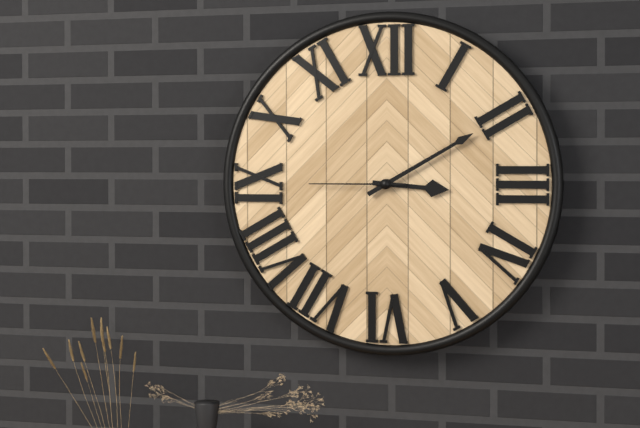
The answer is 3h10m45s
